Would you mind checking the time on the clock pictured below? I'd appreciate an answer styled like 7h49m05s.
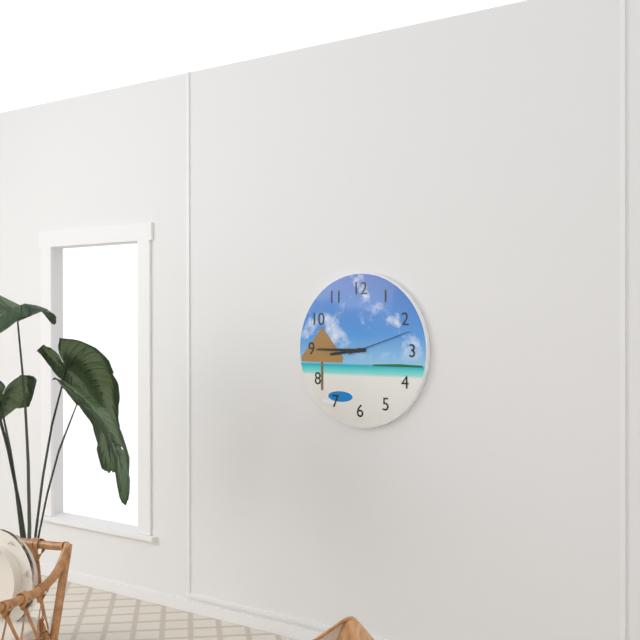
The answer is 8h45m12s
